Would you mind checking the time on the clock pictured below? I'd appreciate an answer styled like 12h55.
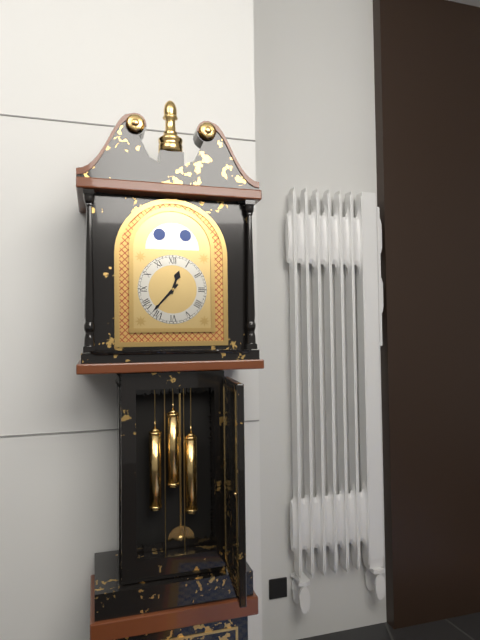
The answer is 12h37
